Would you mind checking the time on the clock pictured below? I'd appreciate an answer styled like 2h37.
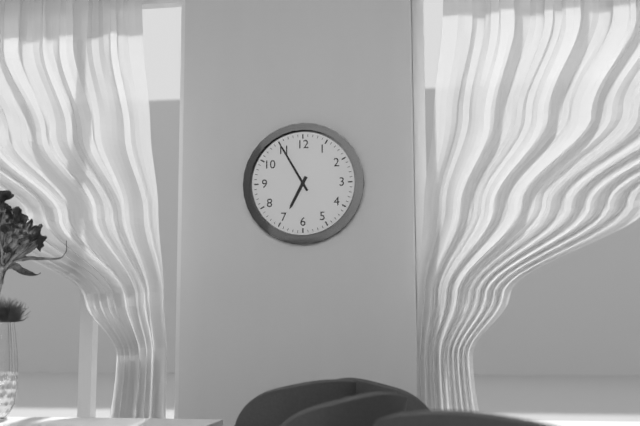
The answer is 6h55
